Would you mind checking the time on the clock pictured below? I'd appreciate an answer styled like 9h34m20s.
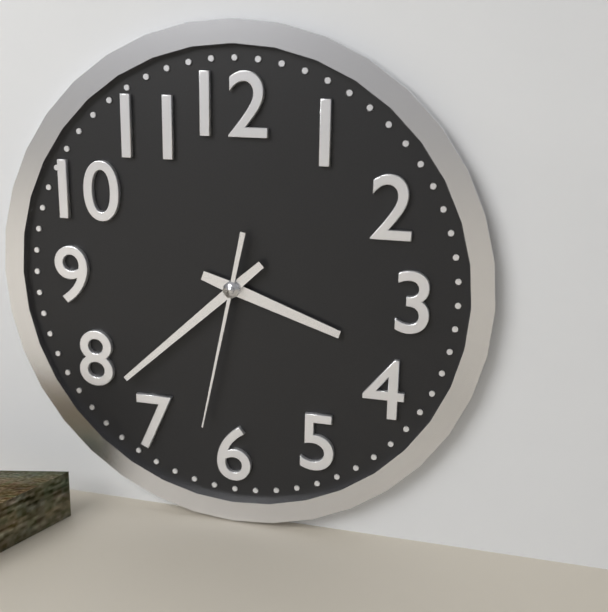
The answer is 3h38m32s
